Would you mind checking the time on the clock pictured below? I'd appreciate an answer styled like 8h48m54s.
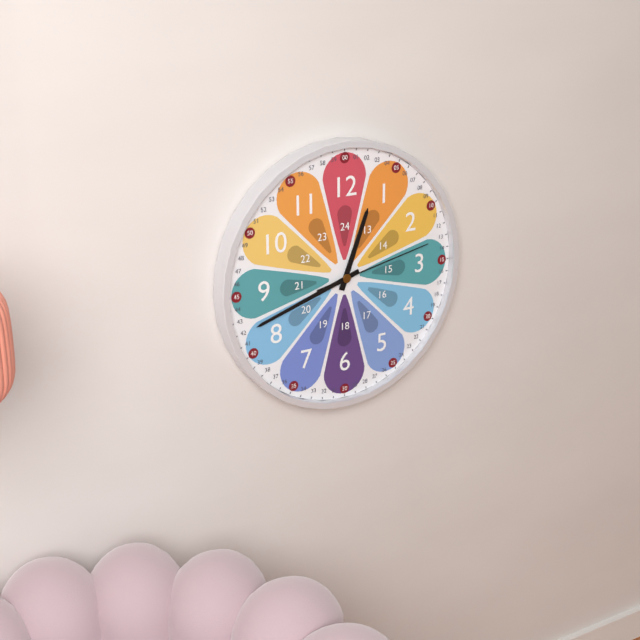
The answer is 12h42m13s
